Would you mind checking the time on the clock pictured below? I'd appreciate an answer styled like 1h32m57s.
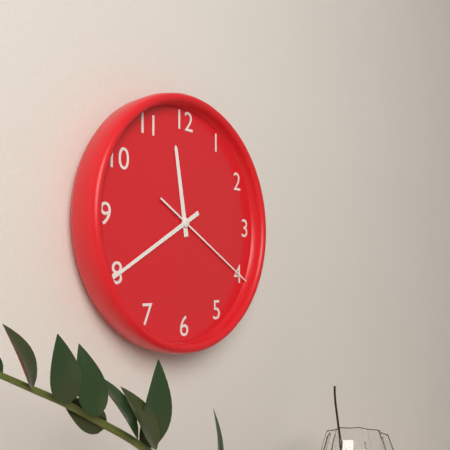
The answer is 11h40m20s
